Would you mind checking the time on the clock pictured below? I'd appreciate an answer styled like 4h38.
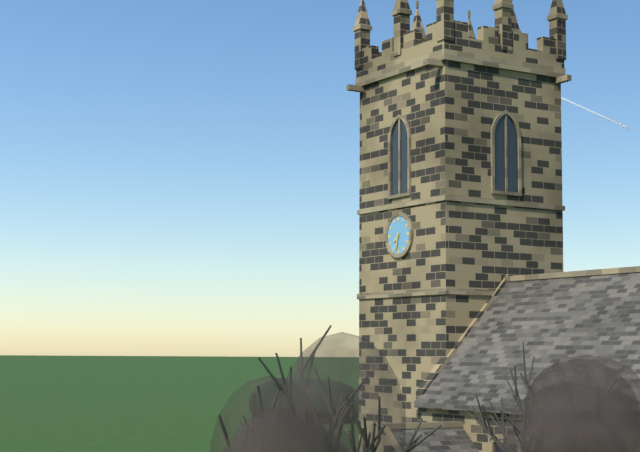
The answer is 7h32
